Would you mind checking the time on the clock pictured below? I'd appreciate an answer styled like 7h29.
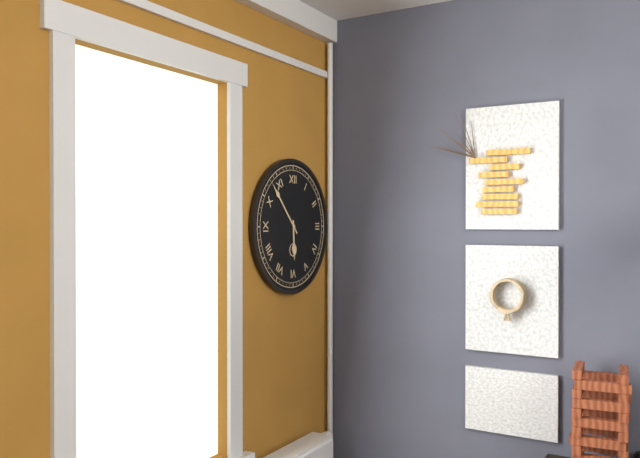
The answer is 5h53
